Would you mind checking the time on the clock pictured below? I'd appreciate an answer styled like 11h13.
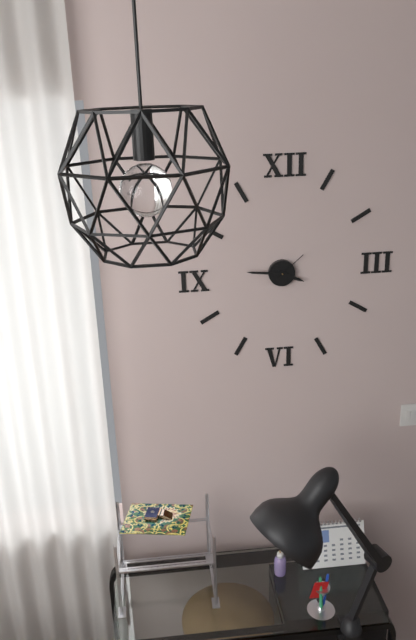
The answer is 3h46
